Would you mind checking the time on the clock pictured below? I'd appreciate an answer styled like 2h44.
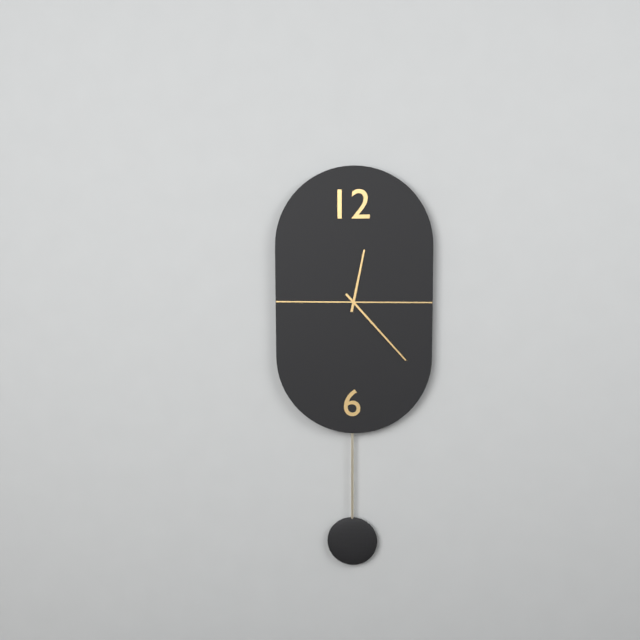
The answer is 12h23
